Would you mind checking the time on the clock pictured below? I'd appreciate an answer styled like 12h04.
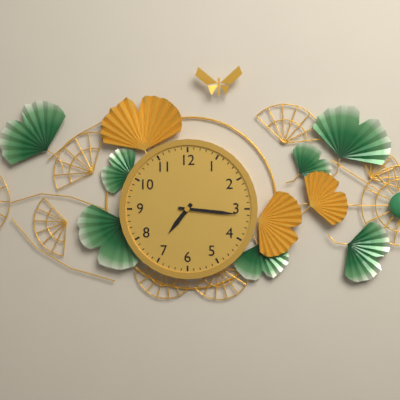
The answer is 7h16
